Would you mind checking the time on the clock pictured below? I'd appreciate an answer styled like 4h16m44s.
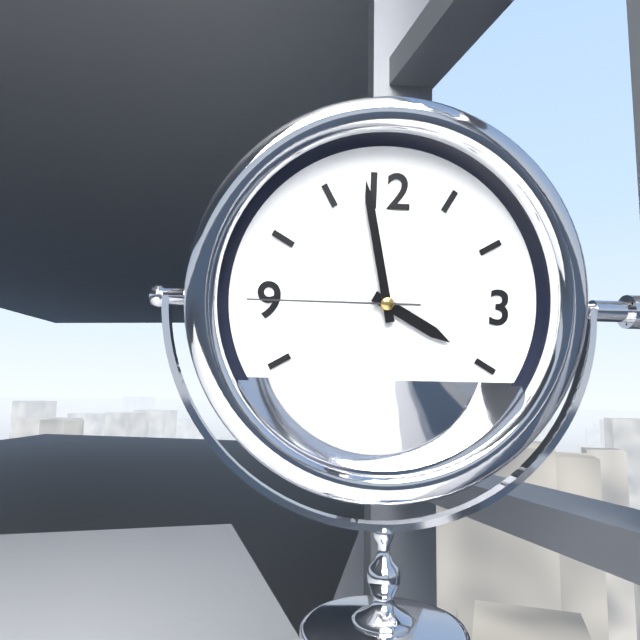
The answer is 3h58m45s
